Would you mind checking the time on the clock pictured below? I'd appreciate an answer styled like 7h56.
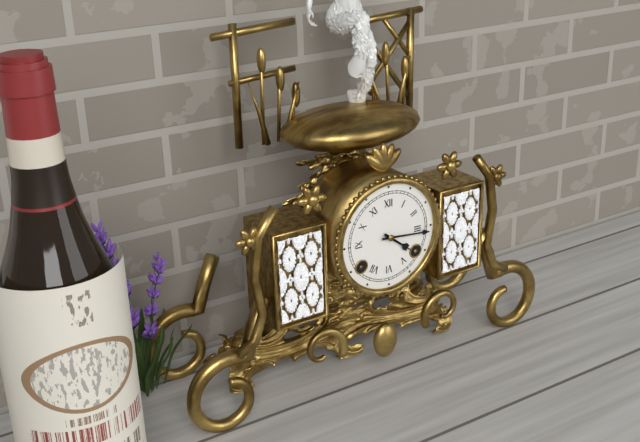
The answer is 4h16
